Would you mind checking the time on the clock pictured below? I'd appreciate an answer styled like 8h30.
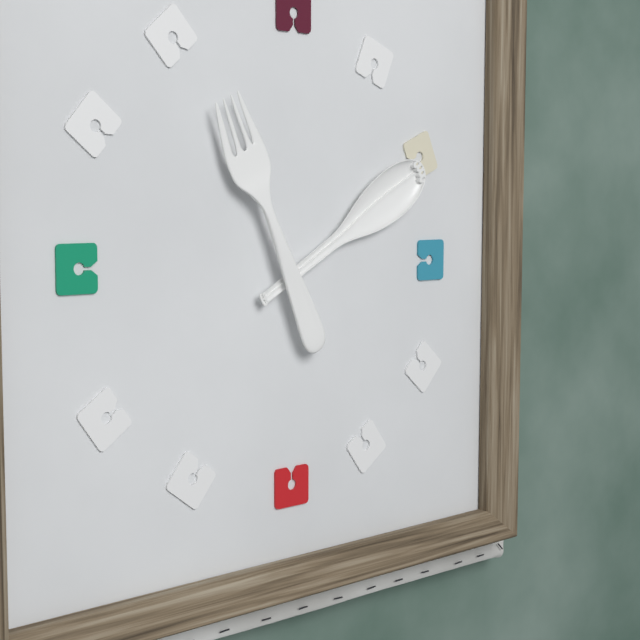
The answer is 11h10
